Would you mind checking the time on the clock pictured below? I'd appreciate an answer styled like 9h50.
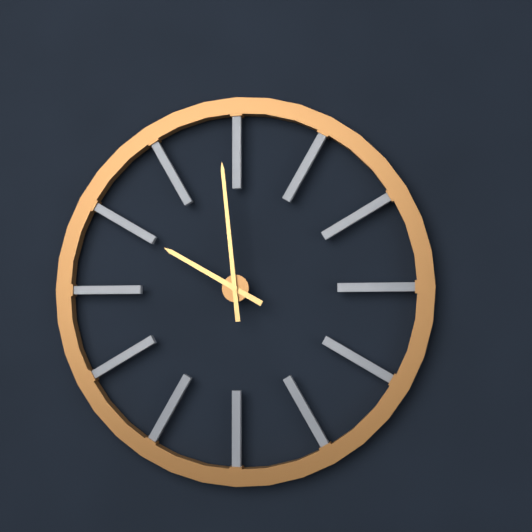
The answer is 9h59
